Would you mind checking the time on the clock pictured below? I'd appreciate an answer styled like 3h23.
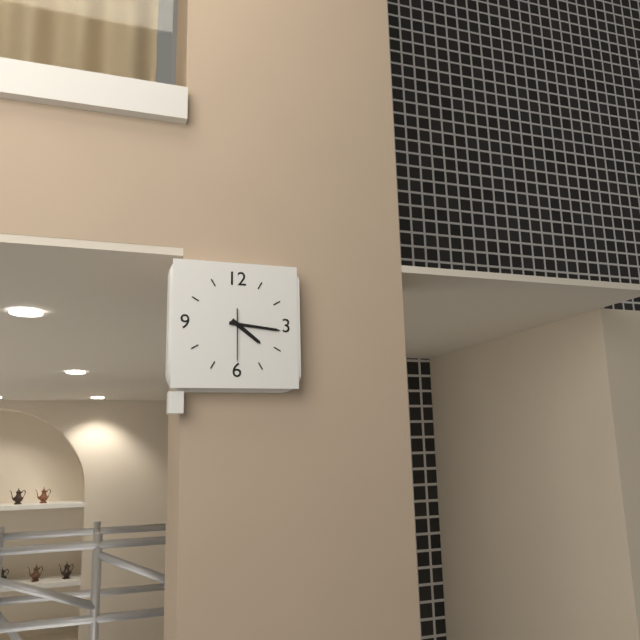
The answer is 4h16
